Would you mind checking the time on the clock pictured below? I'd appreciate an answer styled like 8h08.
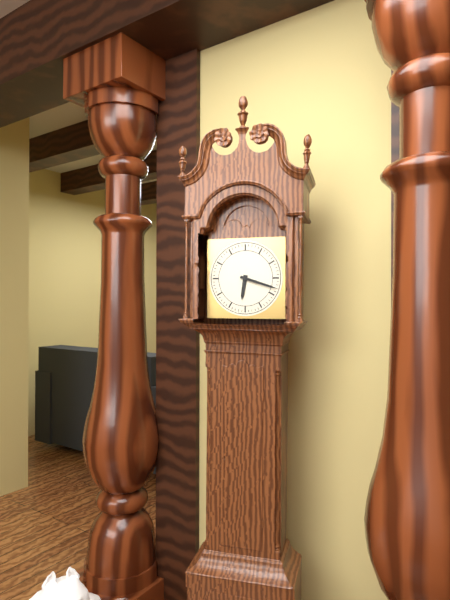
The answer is 6h18
